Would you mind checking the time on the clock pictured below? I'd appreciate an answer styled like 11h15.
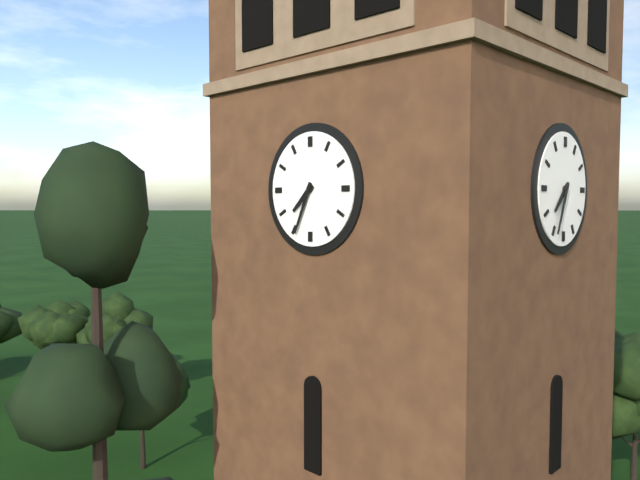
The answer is 7h34
